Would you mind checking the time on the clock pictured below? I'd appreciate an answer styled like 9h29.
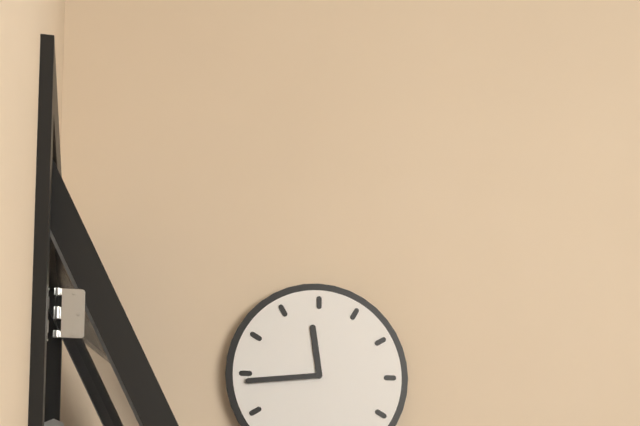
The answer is 11h44
